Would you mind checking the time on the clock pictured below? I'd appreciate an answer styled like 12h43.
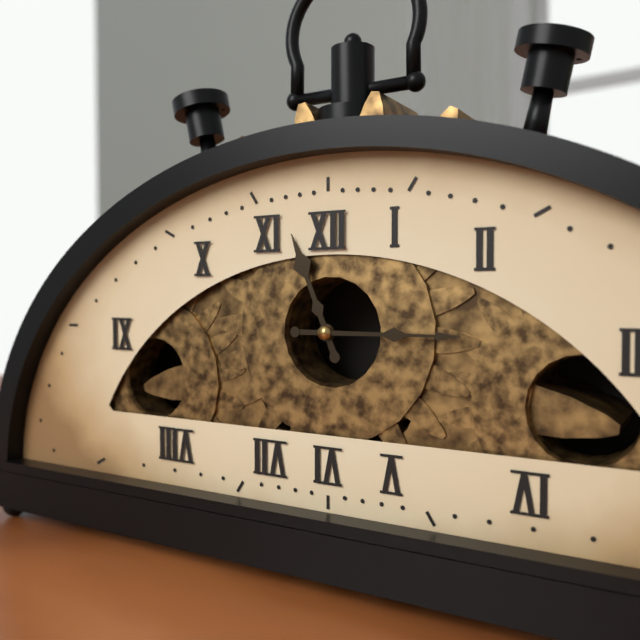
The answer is 11h15
